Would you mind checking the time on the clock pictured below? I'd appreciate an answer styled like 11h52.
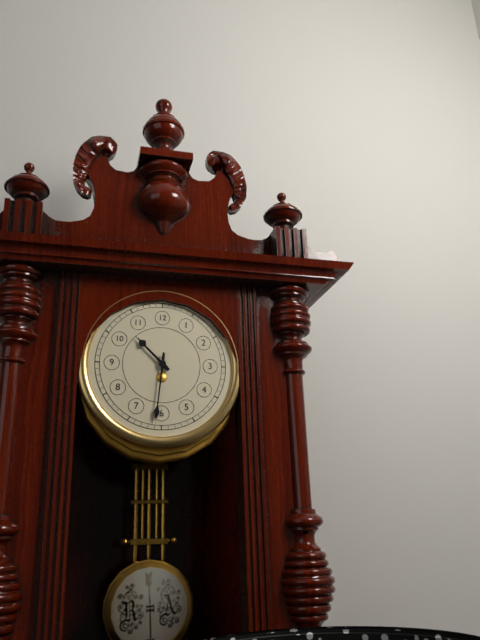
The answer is 10h31
